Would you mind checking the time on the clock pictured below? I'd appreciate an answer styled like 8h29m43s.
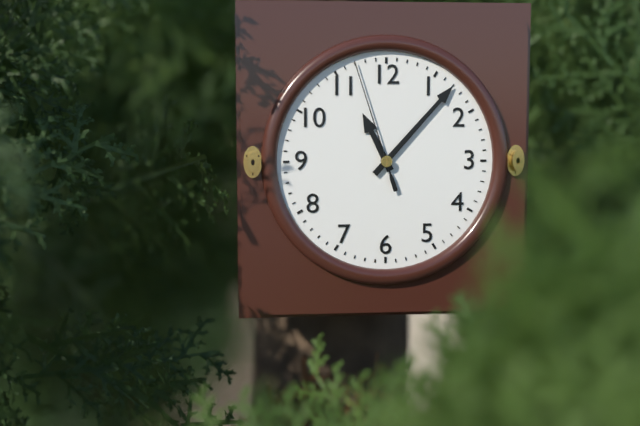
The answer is 11h07m57s
